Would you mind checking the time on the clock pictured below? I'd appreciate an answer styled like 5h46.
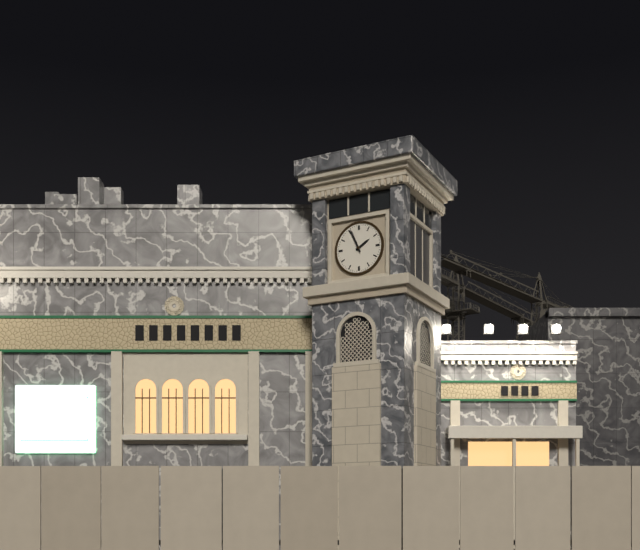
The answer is 1h56
